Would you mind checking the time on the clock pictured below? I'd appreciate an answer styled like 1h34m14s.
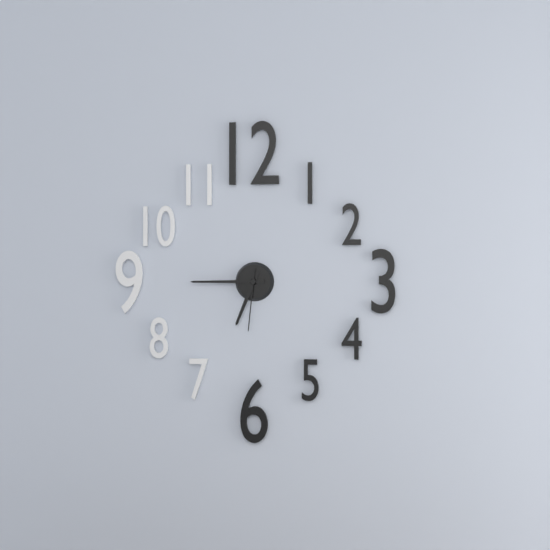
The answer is 6h45m31s
